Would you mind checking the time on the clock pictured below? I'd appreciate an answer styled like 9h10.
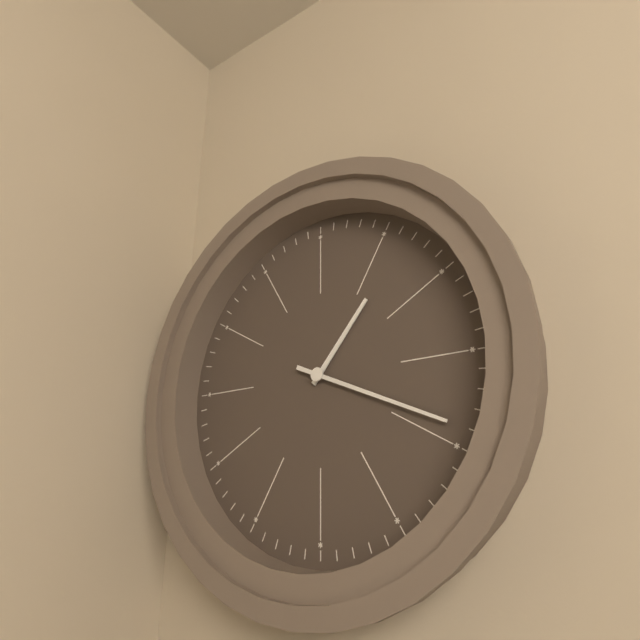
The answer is 1h19
